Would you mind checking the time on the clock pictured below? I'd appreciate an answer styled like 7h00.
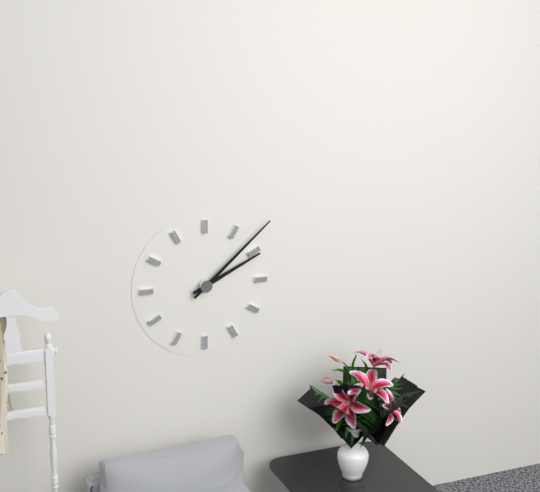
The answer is 2h08
